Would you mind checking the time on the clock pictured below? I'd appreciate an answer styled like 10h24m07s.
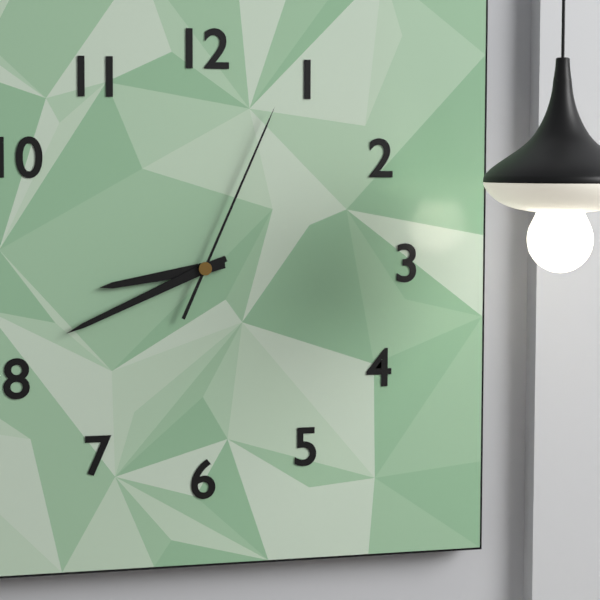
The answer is 8h41m04s
